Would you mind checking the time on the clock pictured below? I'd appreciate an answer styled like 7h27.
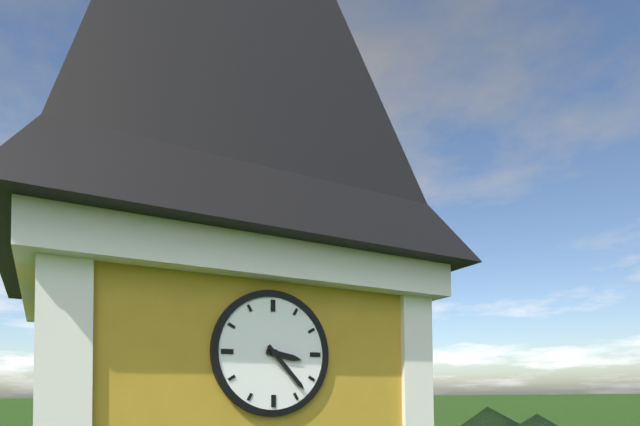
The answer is 3h23
